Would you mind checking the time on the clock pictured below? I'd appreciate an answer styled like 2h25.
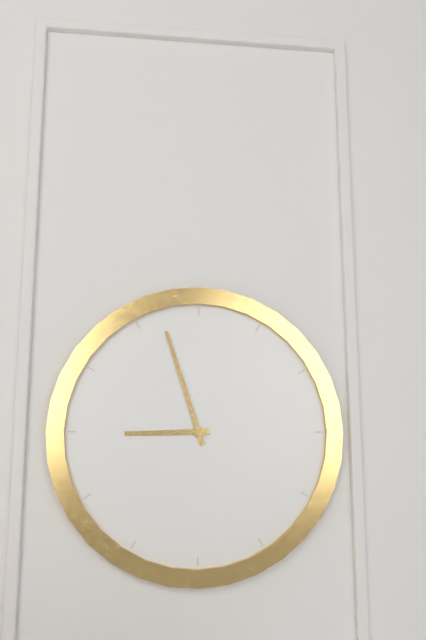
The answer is 8h57
